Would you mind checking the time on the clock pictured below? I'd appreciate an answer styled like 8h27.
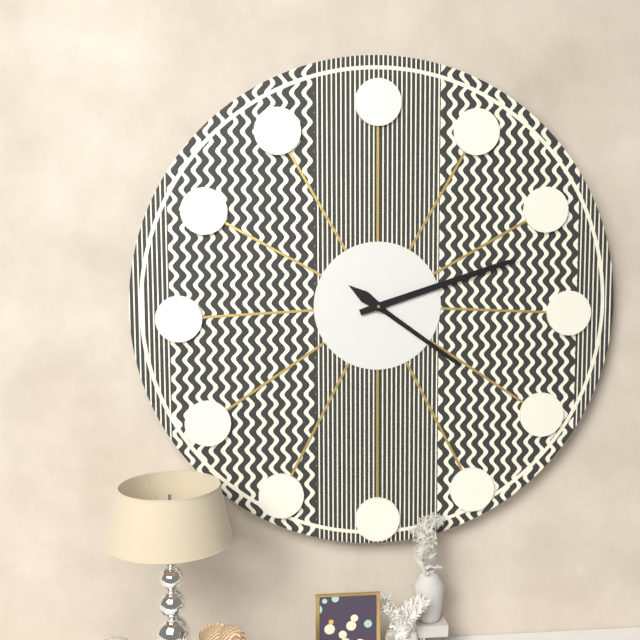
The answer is 4h12
